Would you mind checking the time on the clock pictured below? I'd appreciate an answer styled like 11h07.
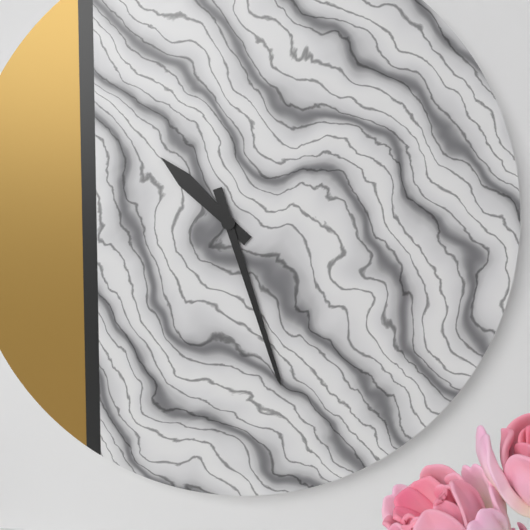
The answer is 10h27
